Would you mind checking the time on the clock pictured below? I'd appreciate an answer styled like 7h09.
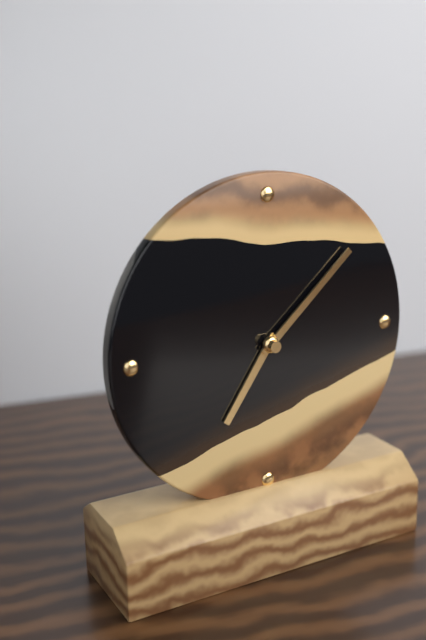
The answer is 7h08
